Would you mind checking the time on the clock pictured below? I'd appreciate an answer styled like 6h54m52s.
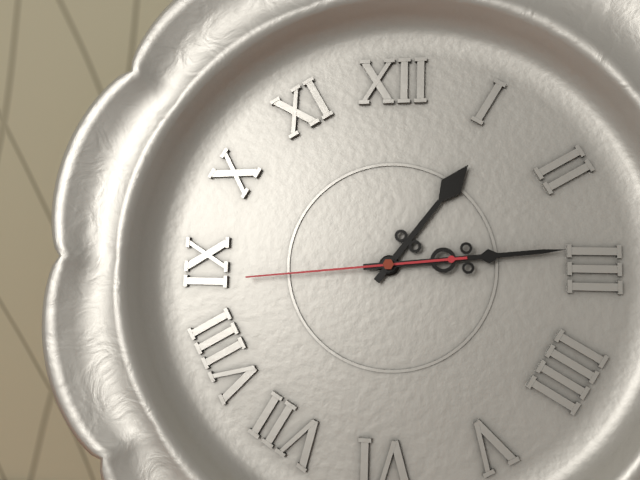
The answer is 1h14m44s
